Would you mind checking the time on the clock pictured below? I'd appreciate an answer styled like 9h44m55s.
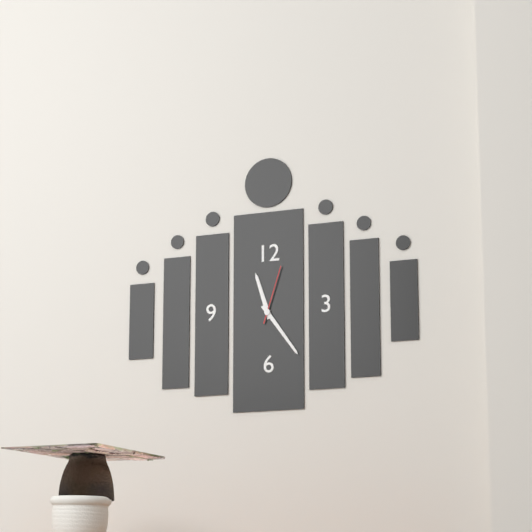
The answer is 11h24m03s
